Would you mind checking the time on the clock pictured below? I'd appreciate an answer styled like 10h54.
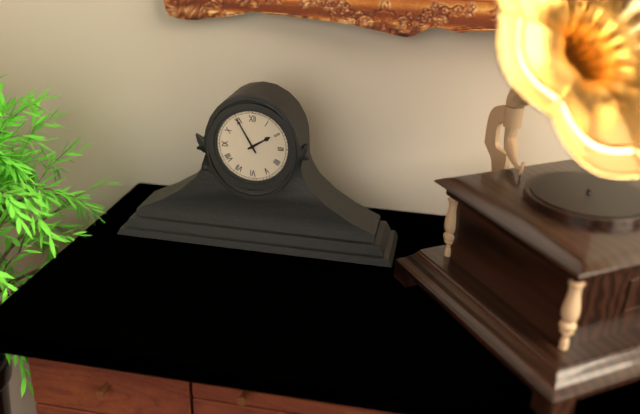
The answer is 1h55
